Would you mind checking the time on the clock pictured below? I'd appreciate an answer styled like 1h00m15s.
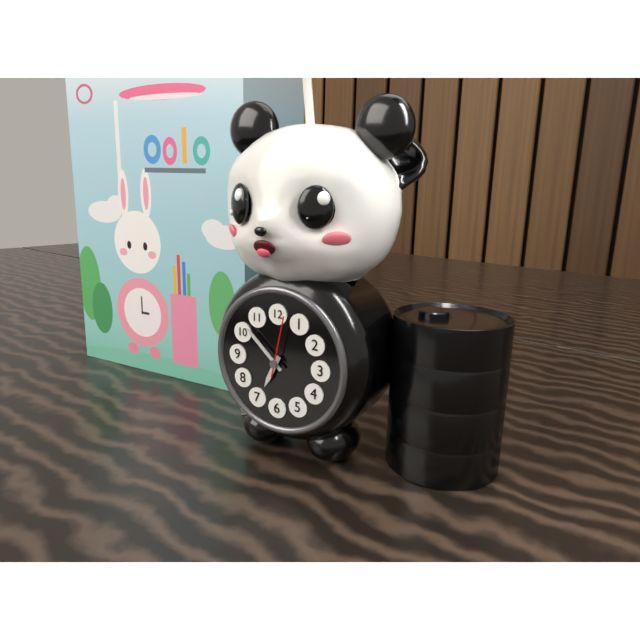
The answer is 6h52m02s
